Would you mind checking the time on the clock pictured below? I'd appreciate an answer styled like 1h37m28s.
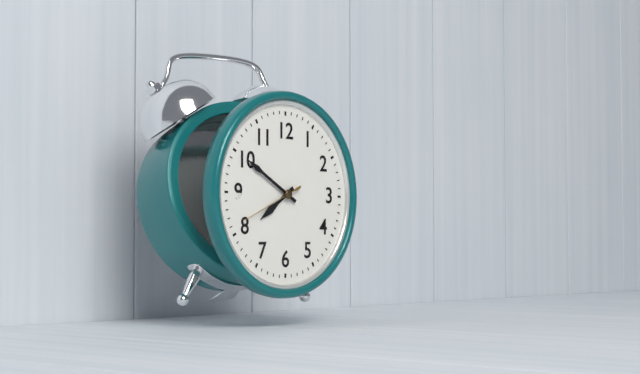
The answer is 7h50m41s
